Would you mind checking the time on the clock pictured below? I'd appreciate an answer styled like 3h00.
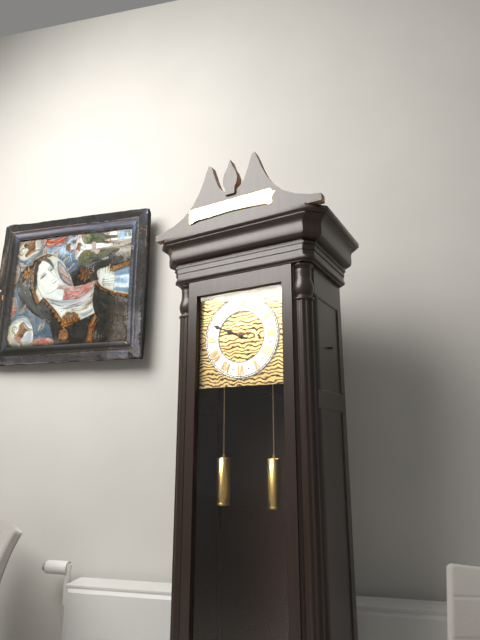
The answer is 9h49
